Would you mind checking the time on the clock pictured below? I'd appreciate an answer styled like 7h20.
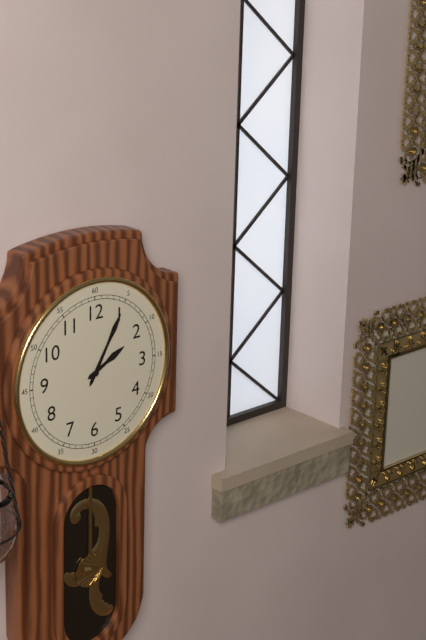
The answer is 2h05
